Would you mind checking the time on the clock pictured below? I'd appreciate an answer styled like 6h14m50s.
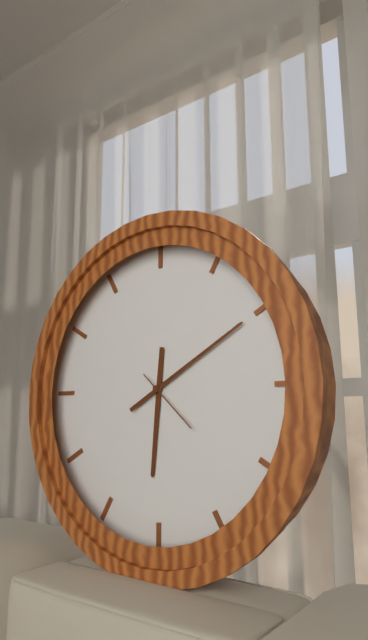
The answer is 6h10m22s
